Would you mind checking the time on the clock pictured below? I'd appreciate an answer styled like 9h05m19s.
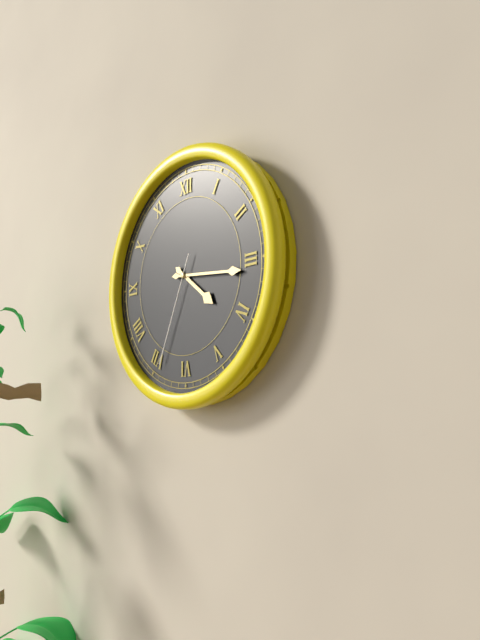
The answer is 4h16m34s
